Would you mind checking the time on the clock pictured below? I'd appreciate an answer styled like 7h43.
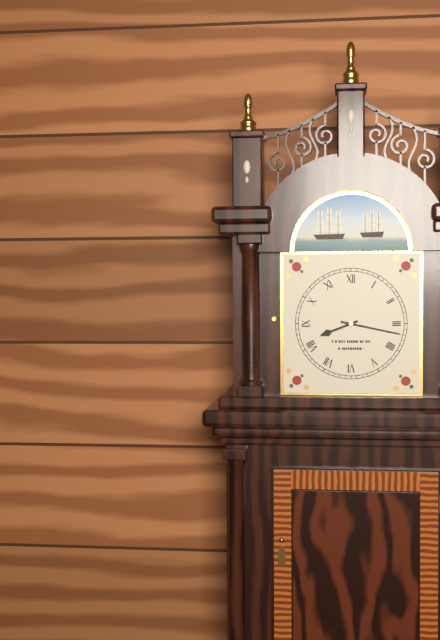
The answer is 8h17
